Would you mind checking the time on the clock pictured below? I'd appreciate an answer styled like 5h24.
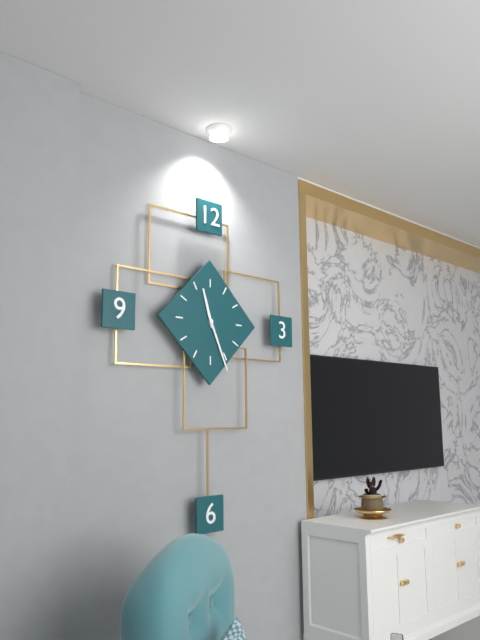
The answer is 11h26
